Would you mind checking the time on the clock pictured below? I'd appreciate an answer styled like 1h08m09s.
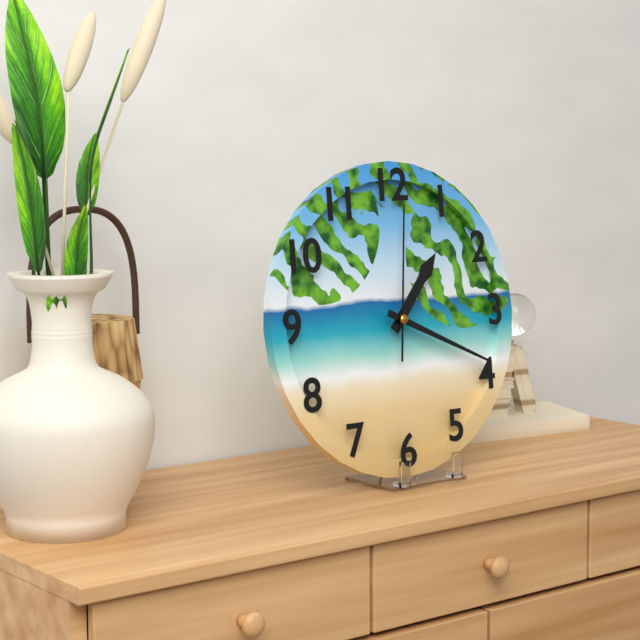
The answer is 1h19m01s
